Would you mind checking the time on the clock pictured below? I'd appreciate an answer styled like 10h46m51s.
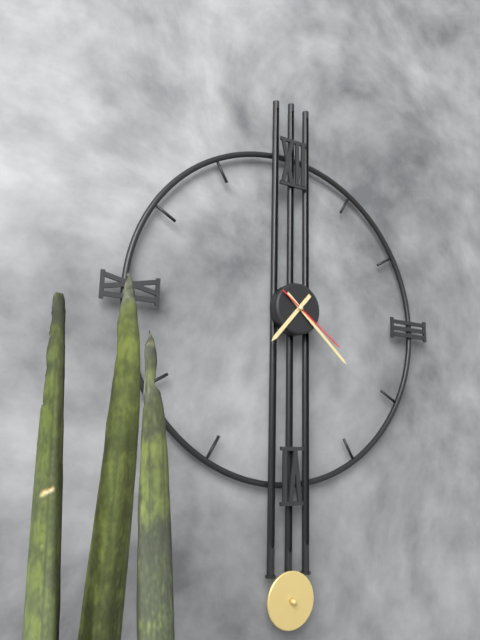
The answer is 7h22m21s
